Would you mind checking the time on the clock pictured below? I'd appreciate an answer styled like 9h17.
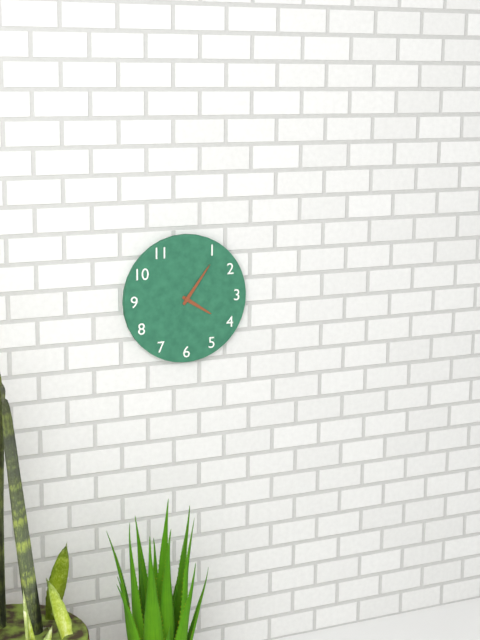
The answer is 4h06
